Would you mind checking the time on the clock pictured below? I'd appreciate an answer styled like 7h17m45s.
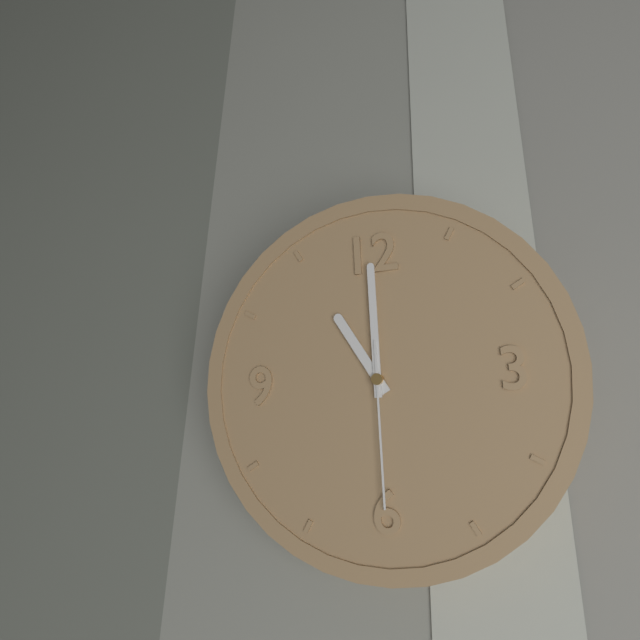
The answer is 11h00m30s
